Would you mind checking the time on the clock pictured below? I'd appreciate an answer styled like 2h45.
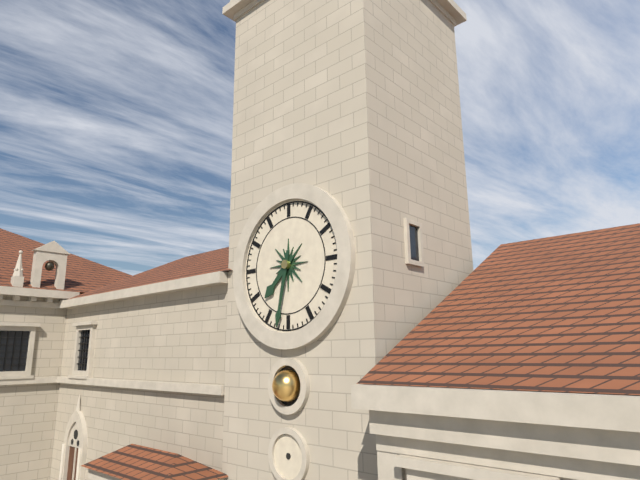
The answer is 7h32
